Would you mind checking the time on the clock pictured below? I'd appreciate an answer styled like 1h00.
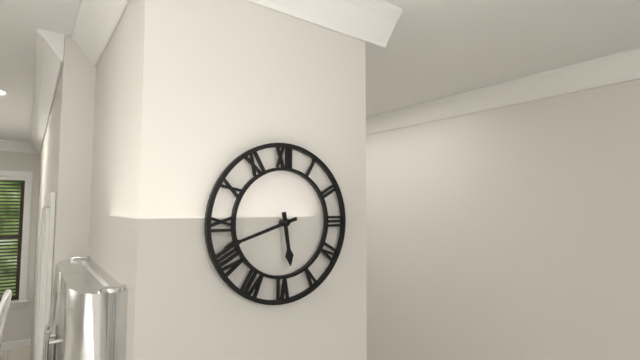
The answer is 5h42
